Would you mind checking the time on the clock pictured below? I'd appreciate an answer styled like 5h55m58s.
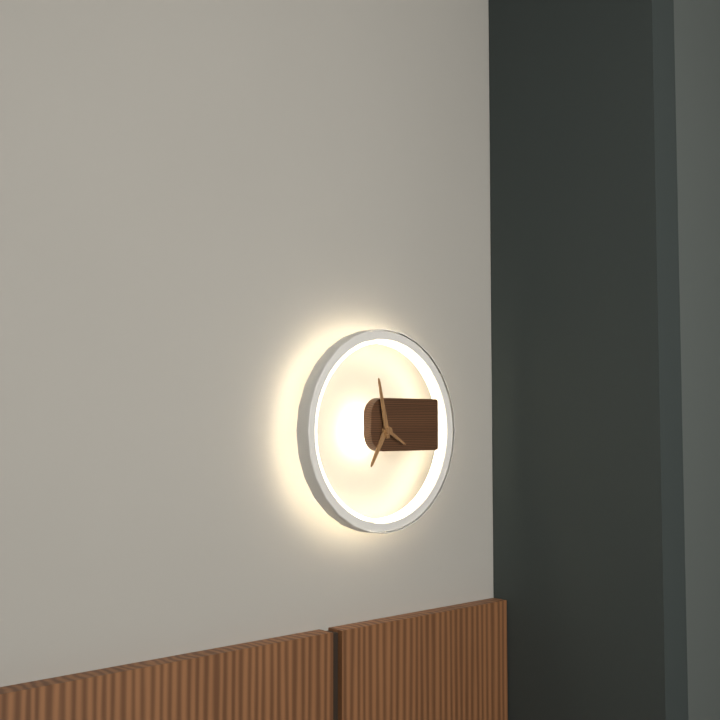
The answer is 6h58m20s
